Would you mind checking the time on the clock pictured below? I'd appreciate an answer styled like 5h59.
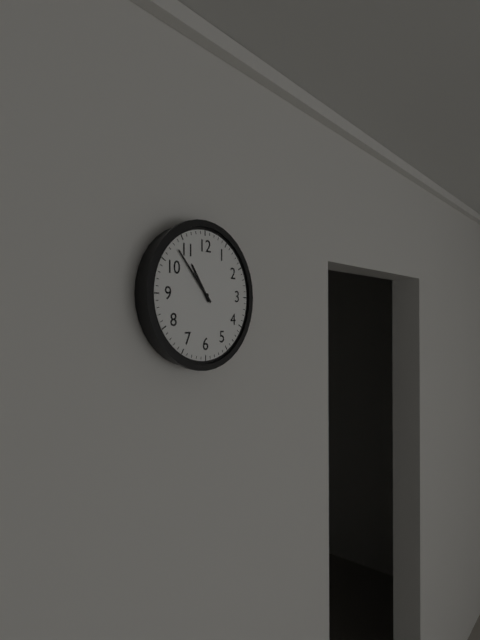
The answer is 10h53
